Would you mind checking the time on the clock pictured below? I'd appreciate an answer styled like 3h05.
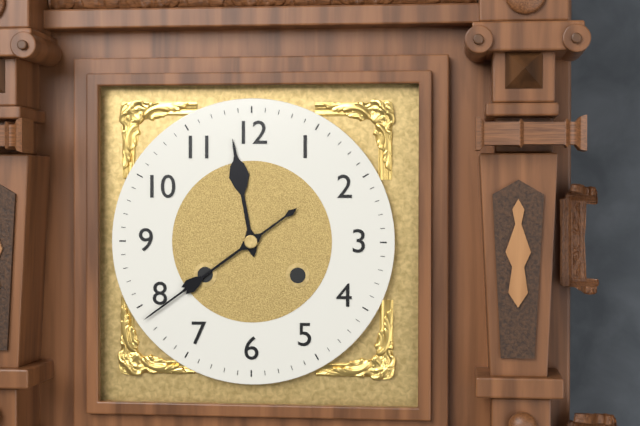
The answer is 11h39
